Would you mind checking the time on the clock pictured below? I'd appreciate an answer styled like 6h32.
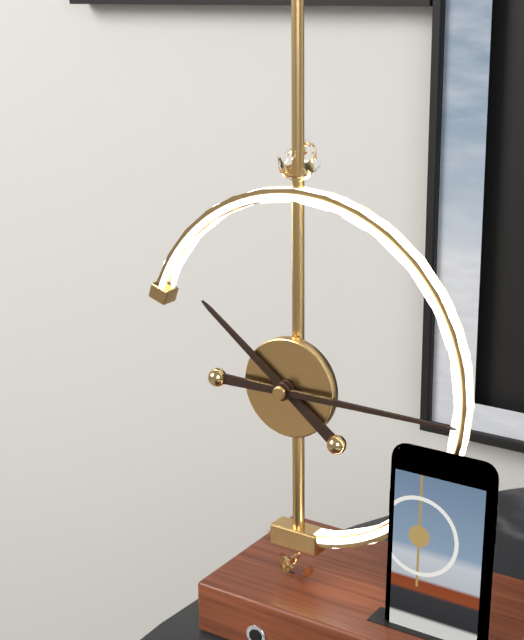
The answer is 10h15
